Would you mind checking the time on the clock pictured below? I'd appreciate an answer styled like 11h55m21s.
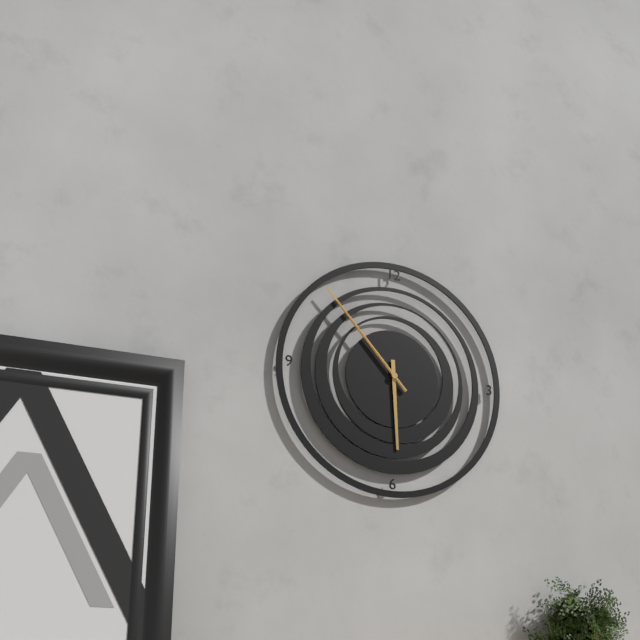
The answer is 5h53m53s
